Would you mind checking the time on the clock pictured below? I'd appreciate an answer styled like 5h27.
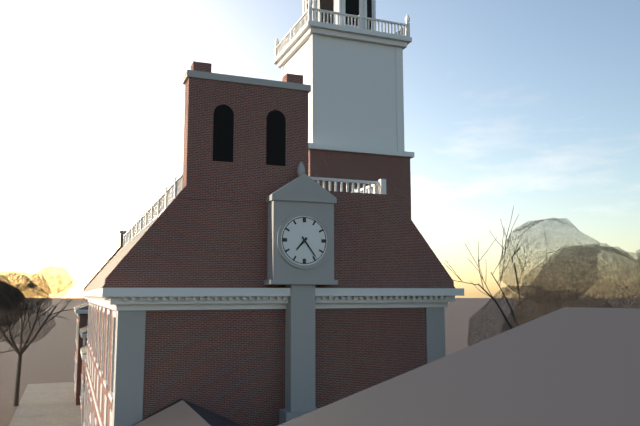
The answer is 7h24
